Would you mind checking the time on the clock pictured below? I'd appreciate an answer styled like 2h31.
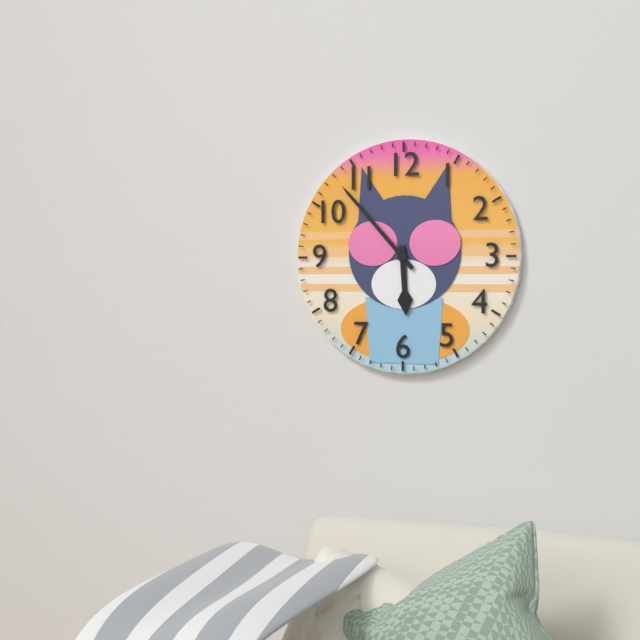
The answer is 5h53
